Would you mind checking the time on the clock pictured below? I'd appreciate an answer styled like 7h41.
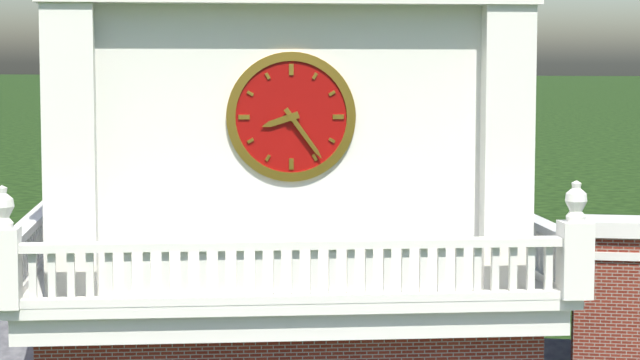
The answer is 8h24
